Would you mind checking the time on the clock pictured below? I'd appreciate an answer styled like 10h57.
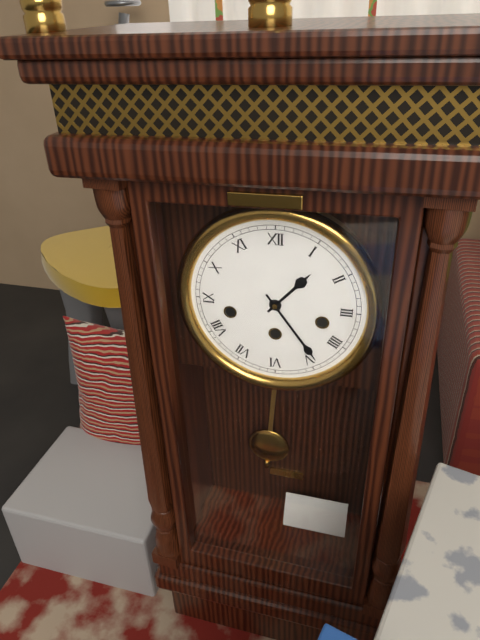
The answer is 1h24
